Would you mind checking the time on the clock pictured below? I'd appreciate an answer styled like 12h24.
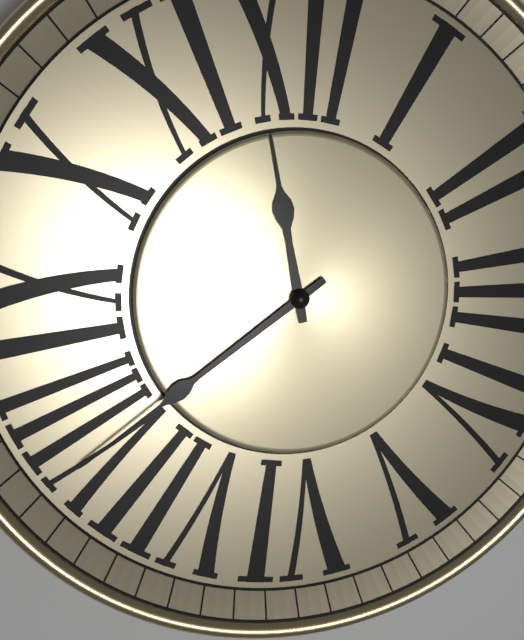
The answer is 11h39
